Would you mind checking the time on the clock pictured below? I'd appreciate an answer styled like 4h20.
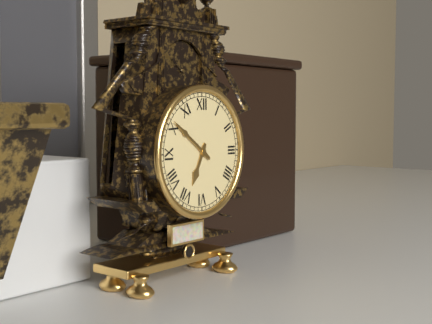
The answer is 6h51
